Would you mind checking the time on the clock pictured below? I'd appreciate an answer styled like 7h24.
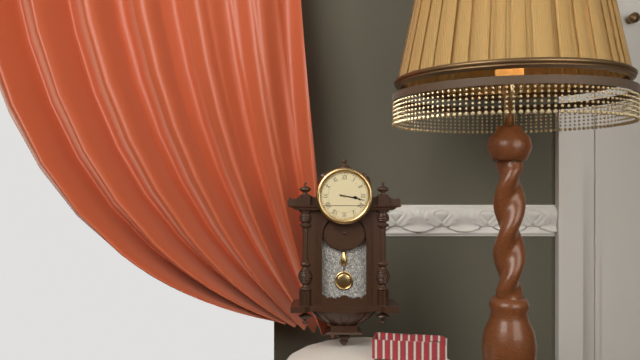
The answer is 3h17
